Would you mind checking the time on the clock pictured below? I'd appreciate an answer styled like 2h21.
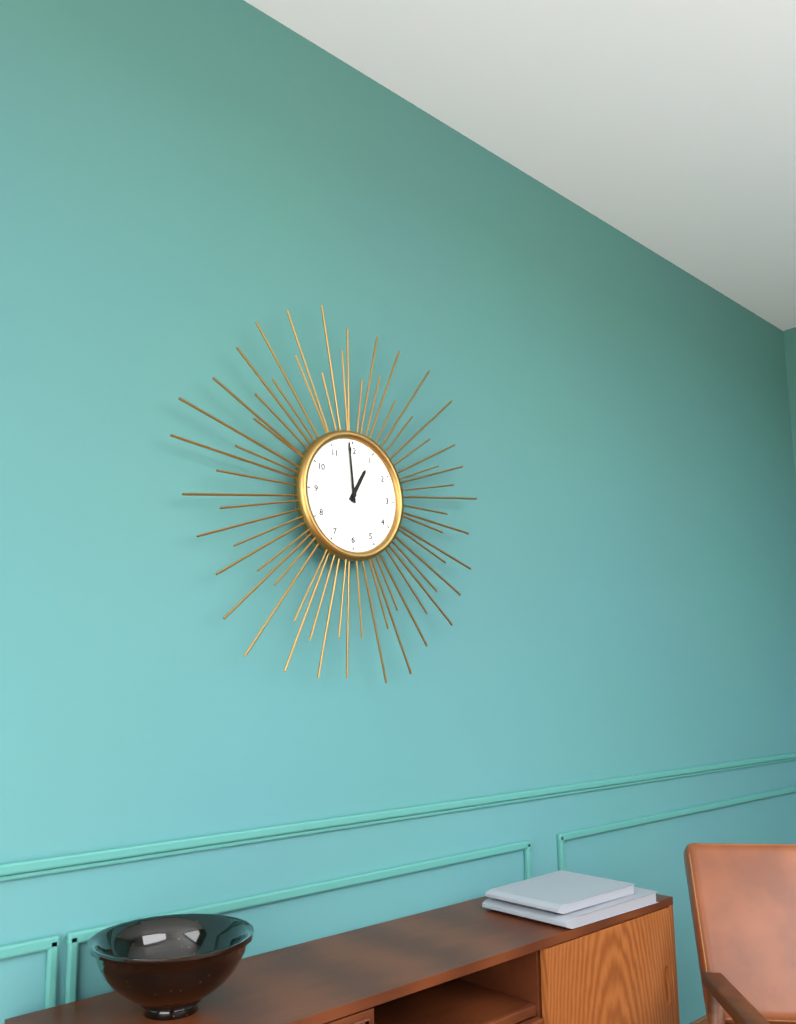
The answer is 12h59
